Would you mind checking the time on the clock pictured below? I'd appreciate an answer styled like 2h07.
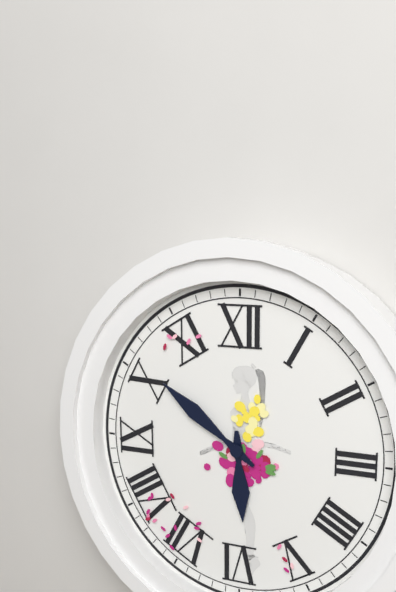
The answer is 5h51
